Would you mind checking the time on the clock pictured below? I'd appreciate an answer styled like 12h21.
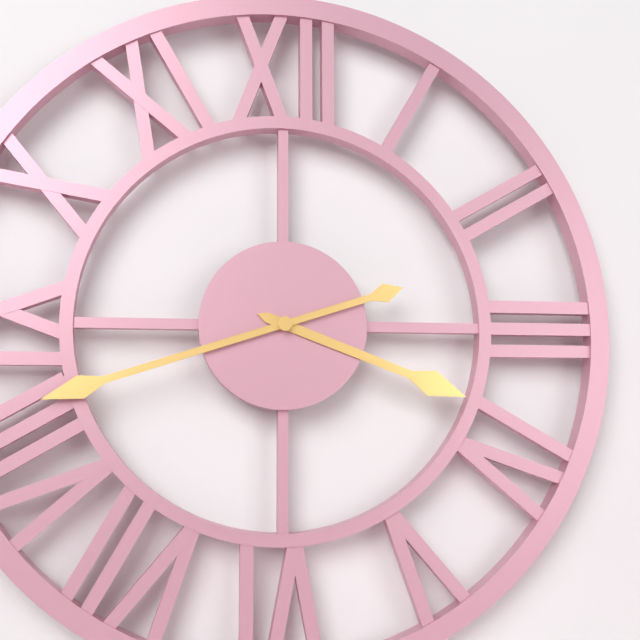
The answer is 3h42
